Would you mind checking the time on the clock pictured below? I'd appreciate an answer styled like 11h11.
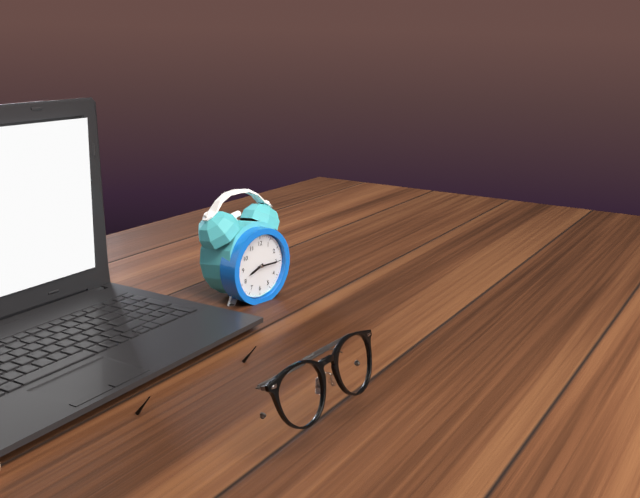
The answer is 8h15
